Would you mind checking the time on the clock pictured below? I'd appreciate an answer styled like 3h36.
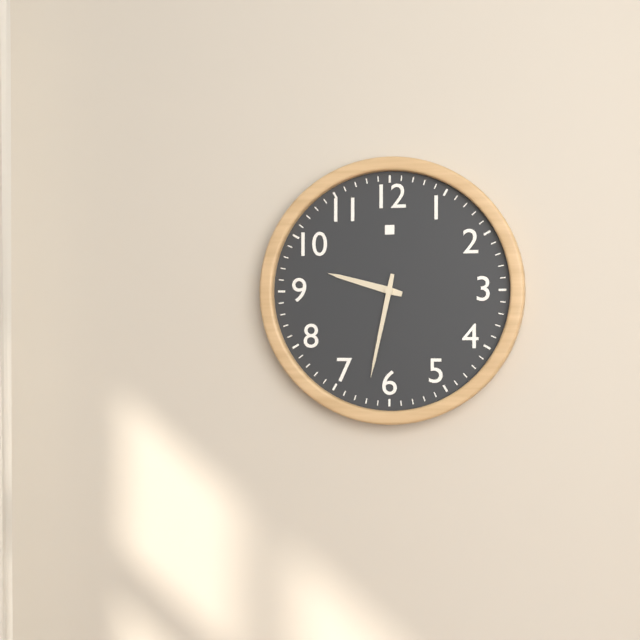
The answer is 9h32
